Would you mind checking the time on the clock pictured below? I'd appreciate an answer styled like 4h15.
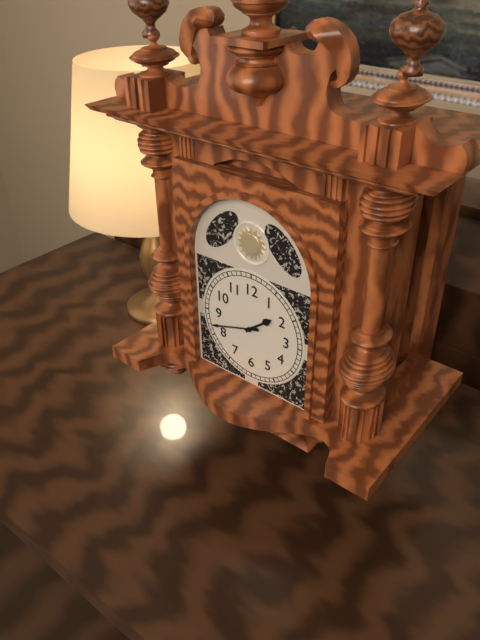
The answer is 1h42
